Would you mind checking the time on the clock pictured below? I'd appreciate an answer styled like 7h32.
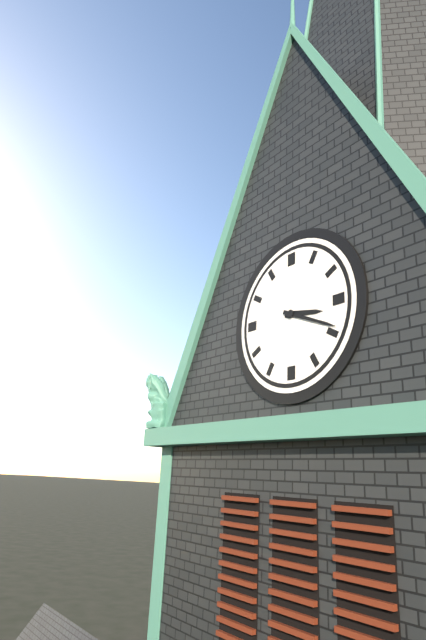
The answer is 3h19
